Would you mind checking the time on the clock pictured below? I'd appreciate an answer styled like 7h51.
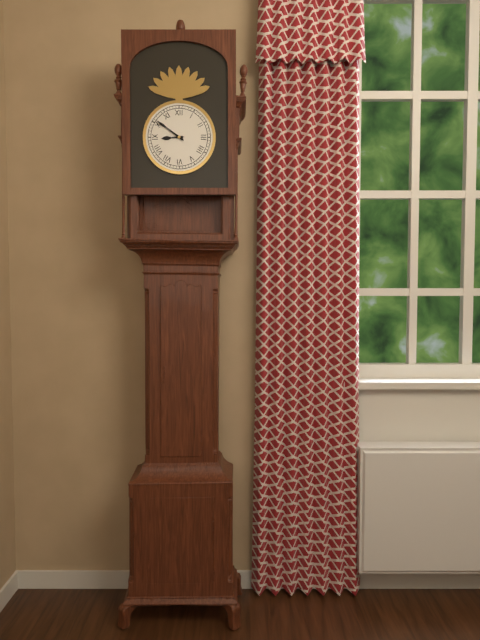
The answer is 8h51
